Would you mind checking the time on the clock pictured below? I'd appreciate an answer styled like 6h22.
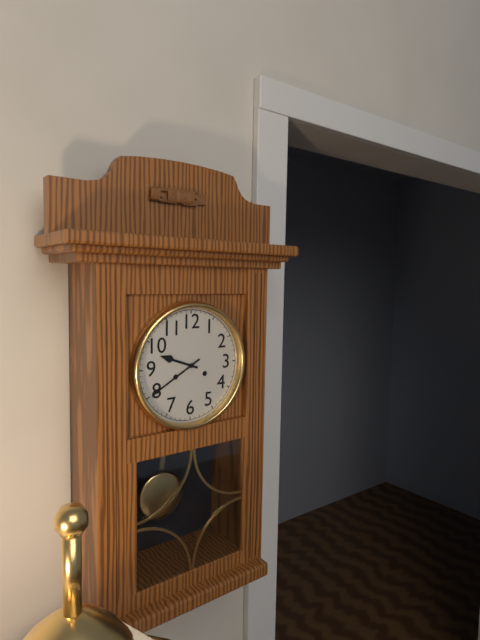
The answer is 9h40
